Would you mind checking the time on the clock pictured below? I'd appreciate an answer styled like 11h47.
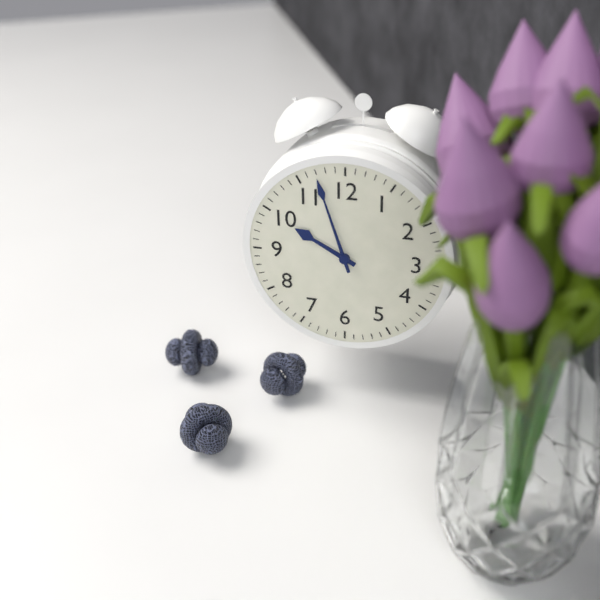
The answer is 9h57
